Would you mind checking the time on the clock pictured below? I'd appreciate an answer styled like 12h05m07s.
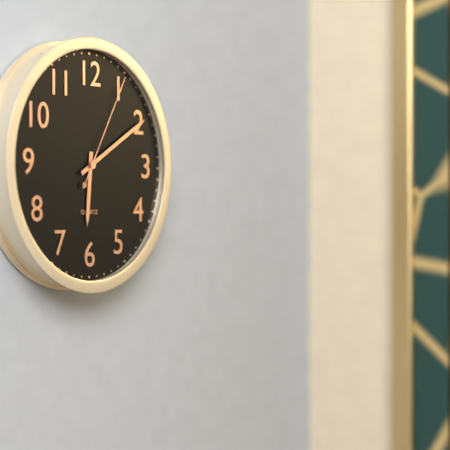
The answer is 6h10m05s
